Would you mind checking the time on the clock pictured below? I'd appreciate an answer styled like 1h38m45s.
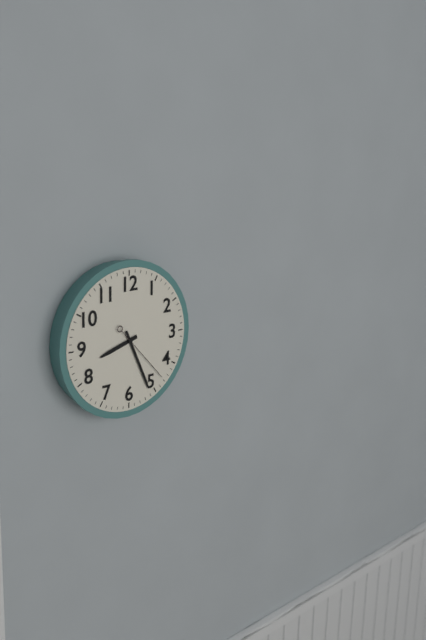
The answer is 8h26m23s
